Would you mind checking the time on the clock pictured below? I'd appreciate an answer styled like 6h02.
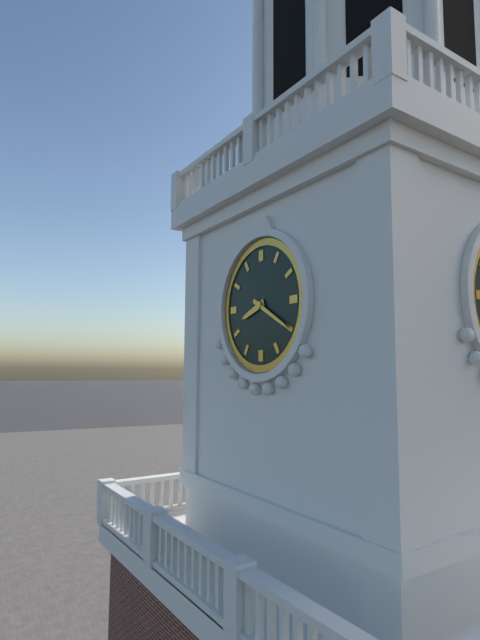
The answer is 8h20
